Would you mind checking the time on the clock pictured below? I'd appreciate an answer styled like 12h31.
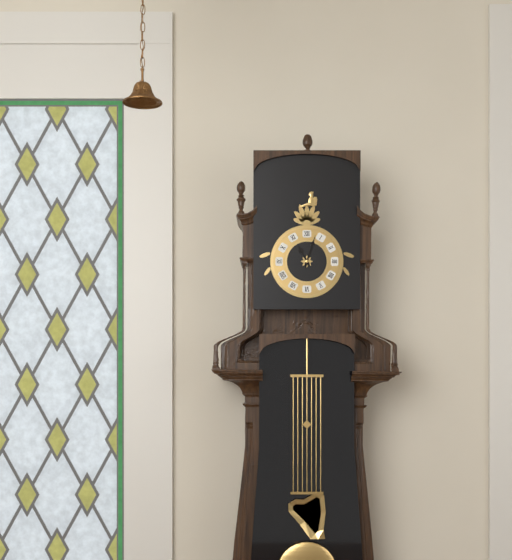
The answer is 11h03
